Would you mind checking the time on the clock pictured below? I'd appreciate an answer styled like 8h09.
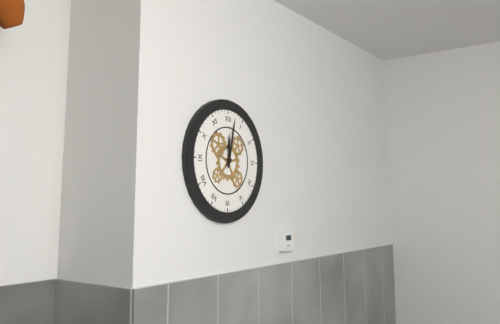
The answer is 12h02
